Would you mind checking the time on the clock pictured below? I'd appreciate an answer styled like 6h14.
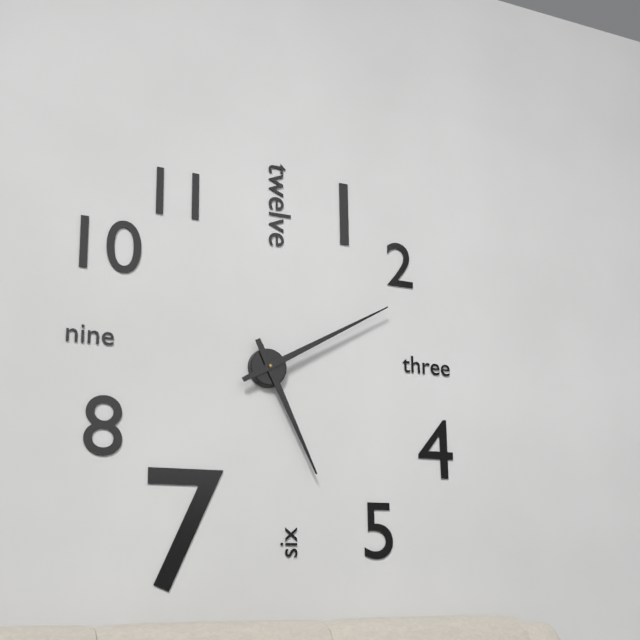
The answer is 5h10
